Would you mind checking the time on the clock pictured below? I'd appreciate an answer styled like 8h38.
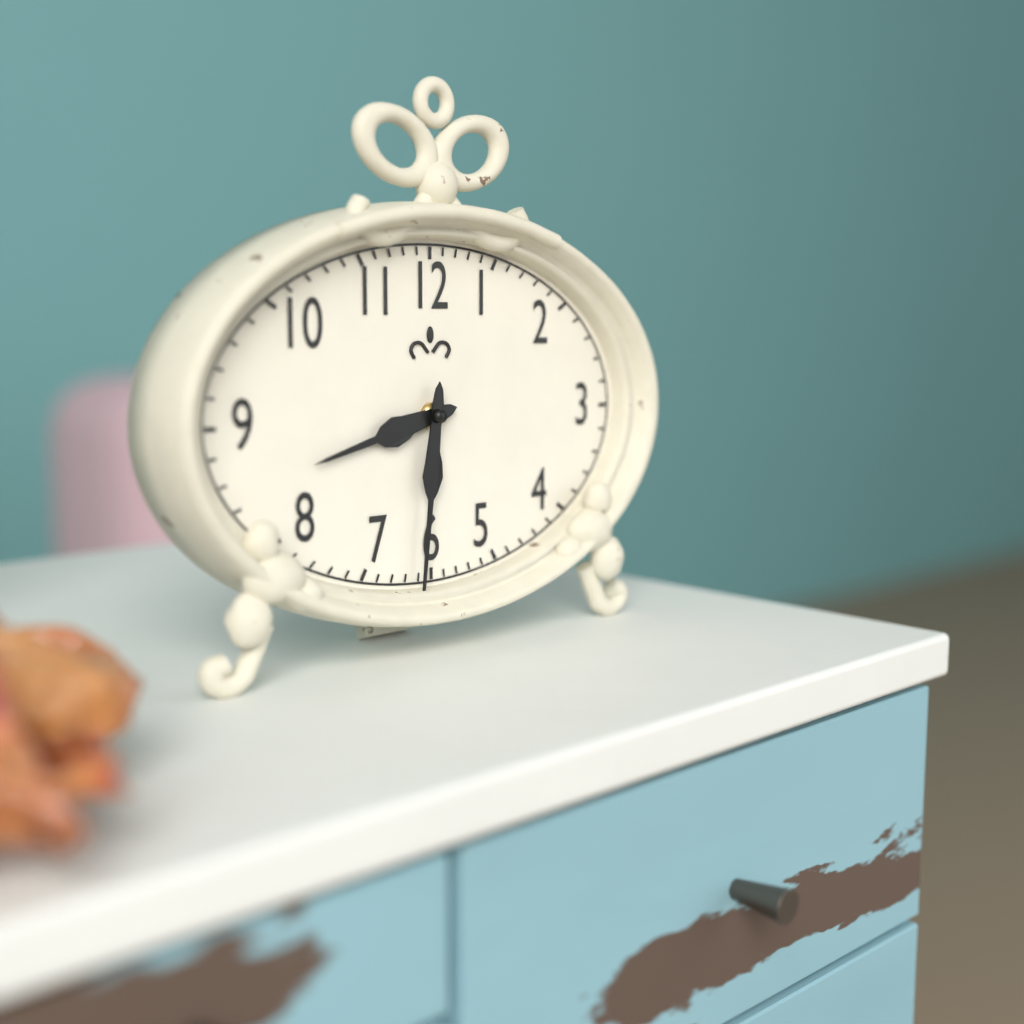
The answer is 8h31
